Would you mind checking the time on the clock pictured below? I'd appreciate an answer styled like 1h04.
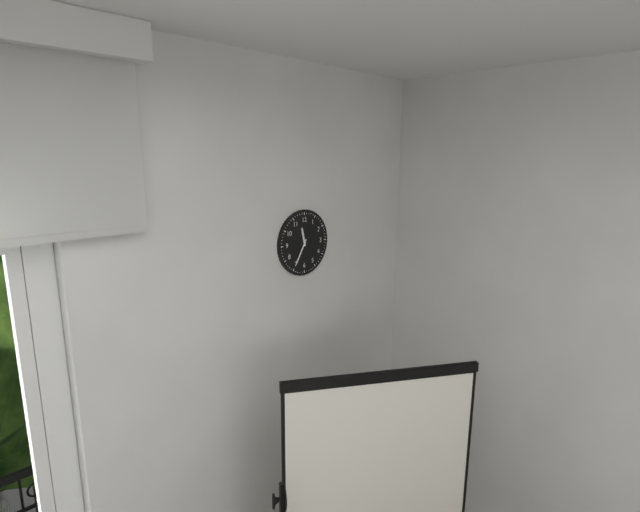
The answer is 11h35
